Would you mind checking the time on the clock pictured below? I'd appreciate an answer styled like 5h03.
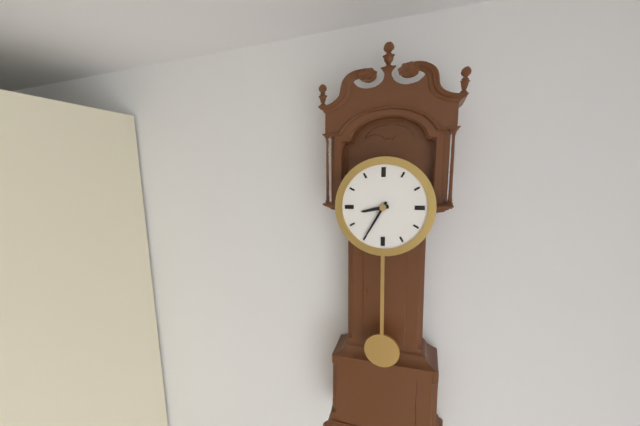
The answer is 8h35
